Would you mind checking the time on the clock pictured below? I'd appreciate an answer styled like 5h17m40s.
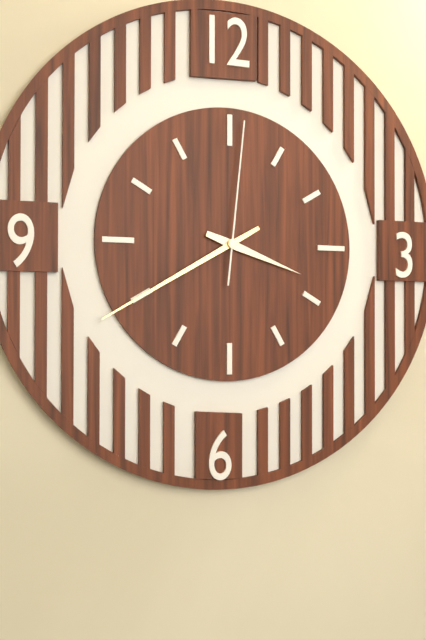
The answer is 3h40m01s
